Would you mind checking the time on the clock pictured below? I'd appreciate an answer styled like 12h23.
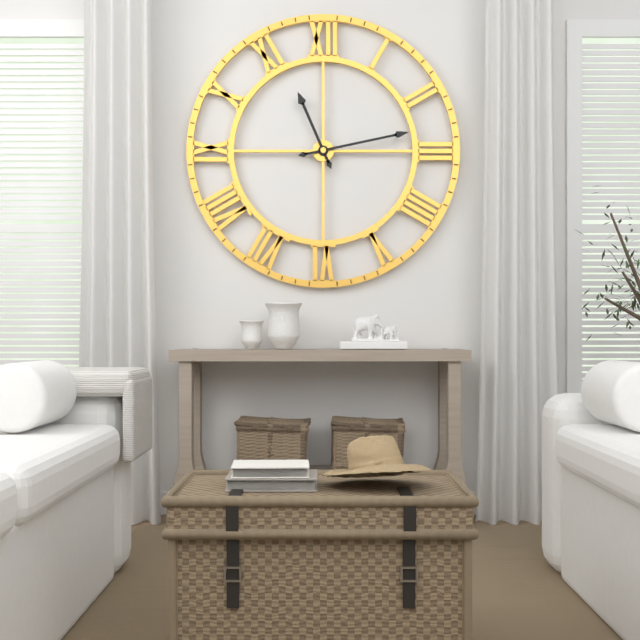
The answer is 11h13
